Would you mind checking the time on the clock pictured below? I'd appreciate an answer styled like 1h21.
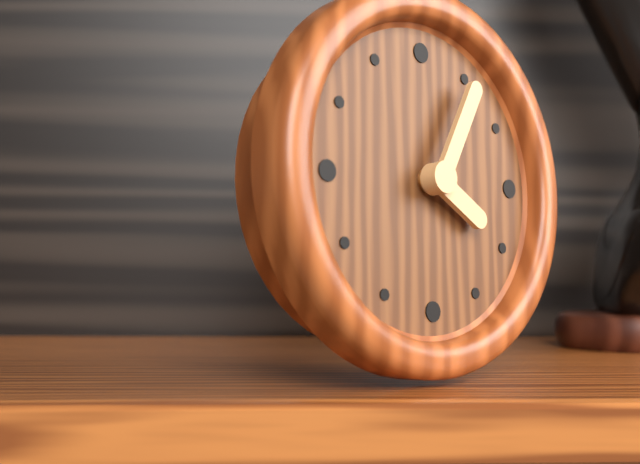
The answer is 4h05
